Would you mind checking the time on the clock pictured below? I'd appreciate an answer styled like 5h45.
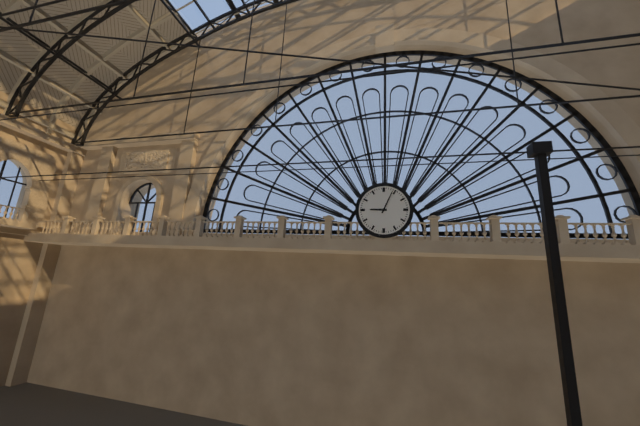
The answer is 9h04
